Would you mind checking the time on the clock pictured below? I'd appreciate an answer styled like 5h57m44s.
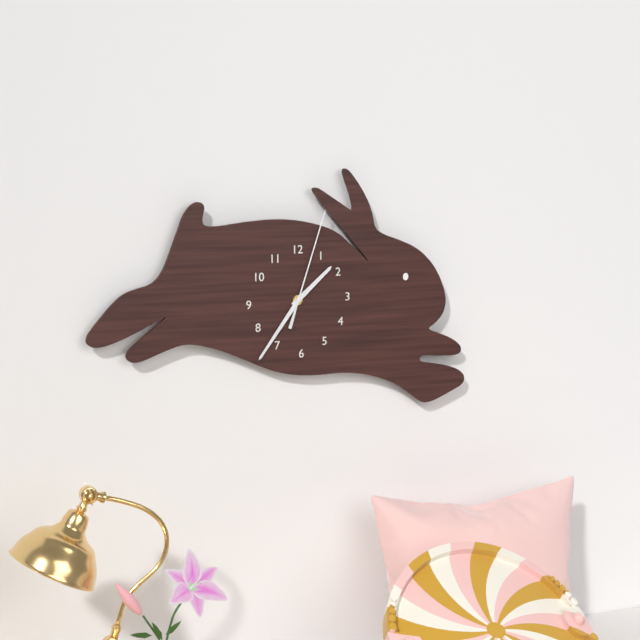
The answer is 1h36m03s
